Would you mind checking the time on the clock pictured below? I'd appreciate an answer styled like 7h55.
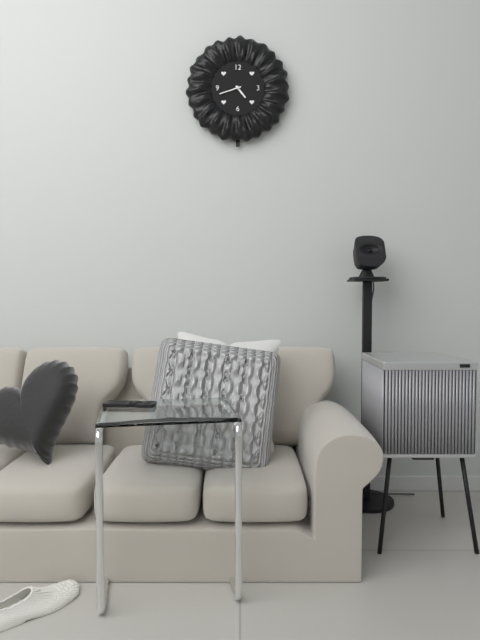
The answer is 4h42
